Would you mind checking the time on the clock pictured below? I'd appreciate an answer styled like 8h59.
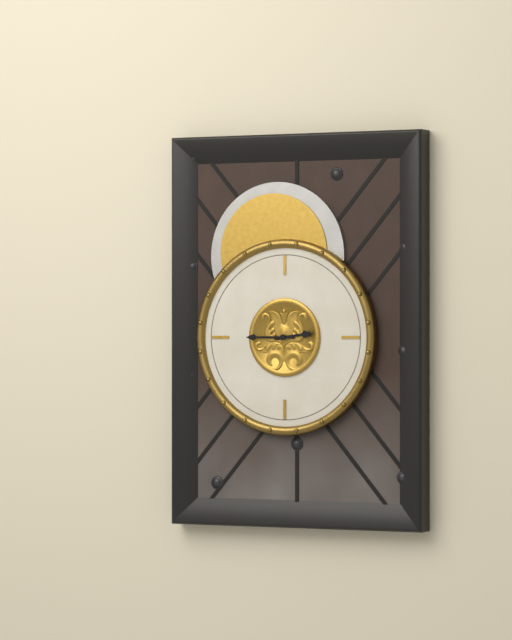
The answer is 2h45
